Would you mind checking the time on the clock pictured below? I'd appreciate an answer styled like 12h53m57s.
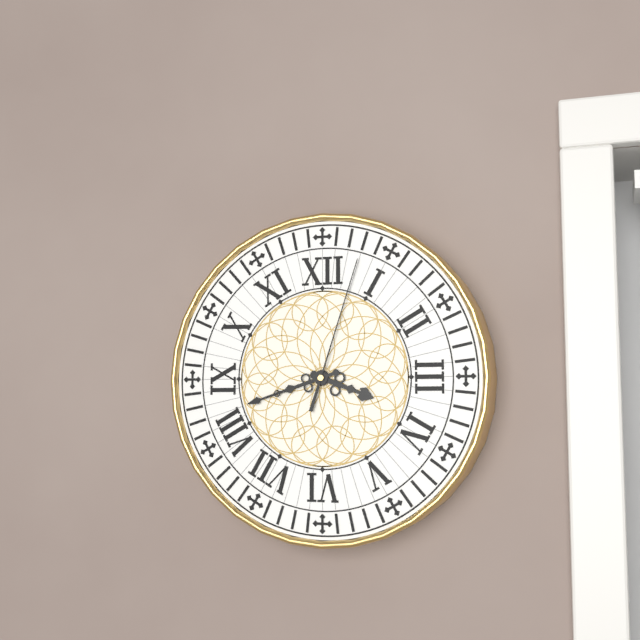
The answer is 3h42m03s
